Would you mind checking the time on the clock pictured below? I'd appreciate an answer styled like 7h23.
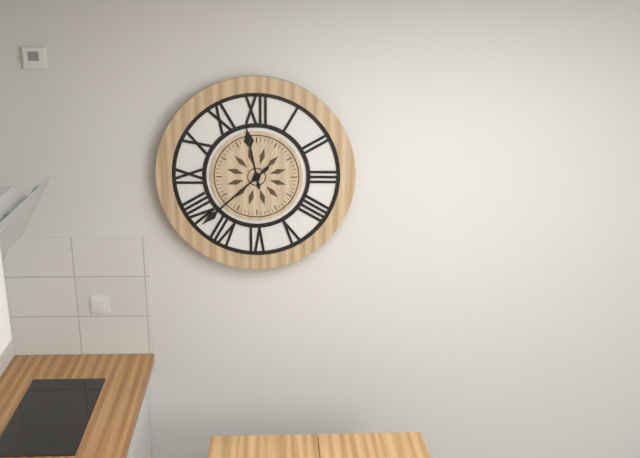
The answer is 11h38
